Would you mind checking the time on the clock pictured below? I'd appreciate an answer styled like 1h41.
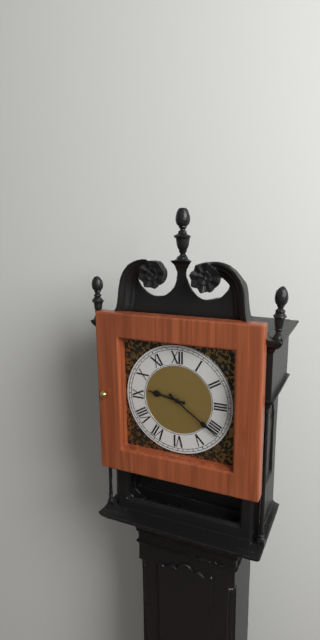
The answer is 9h21
